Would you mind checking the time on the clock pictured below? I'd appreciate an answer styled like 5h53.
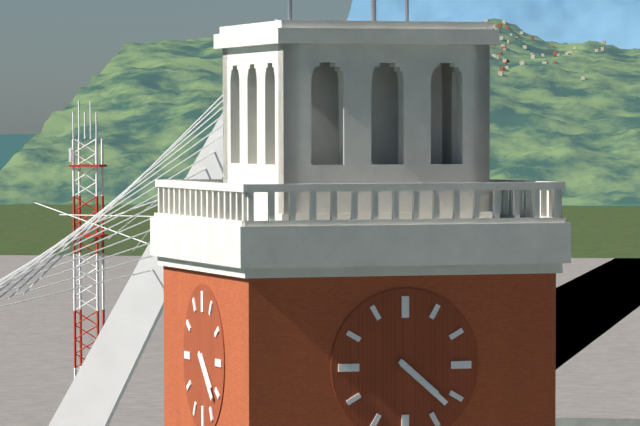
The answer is 4h22
